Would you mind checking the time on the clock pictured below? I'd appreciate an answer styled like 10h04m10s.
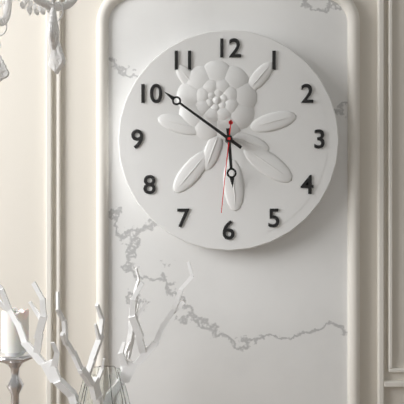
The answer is 5h51m31s
